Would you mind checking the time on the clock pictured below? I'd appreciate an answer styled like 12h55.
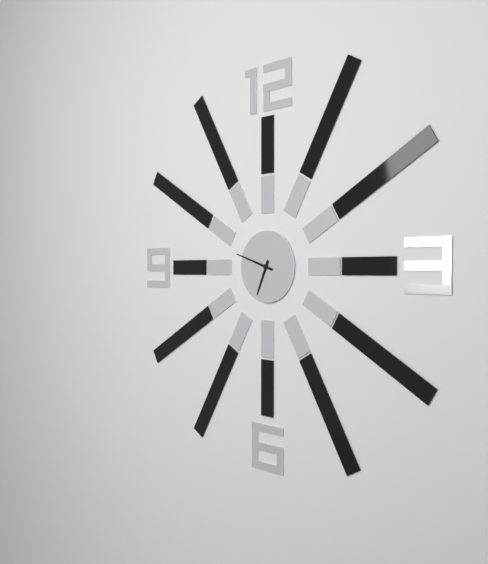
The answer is 6h48
